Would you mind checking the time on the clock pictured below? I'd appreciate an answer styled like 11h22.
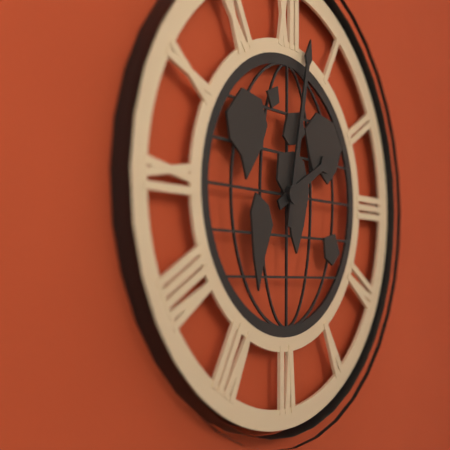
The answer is 2h02
